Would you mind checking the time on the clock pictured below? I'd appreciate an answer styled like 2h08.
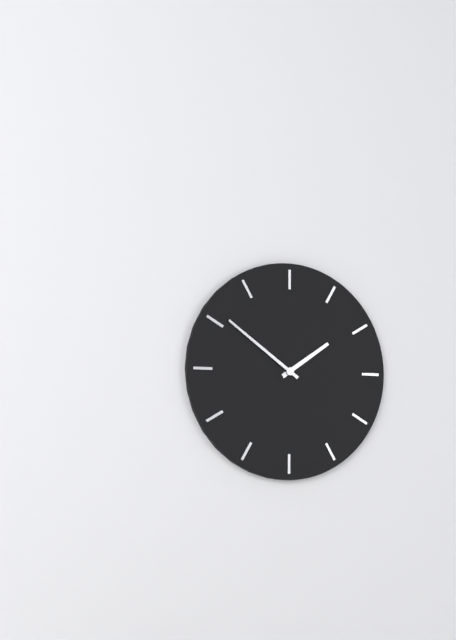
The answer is 1h51
